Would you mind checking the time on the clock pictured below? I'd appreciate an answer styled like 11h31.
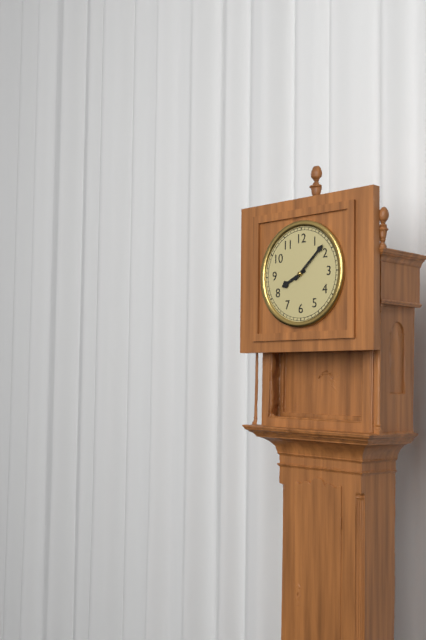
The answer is 8h08
